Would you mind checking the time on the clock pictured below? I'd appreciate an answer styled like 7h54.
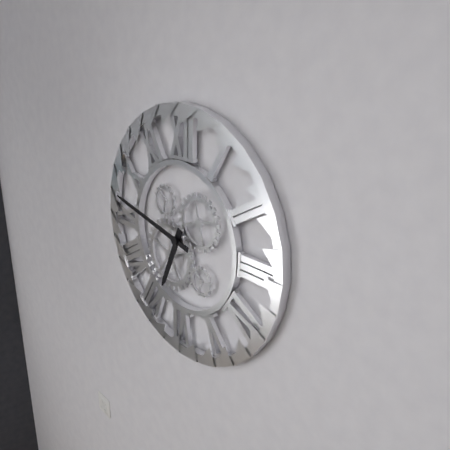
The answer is 6h47
